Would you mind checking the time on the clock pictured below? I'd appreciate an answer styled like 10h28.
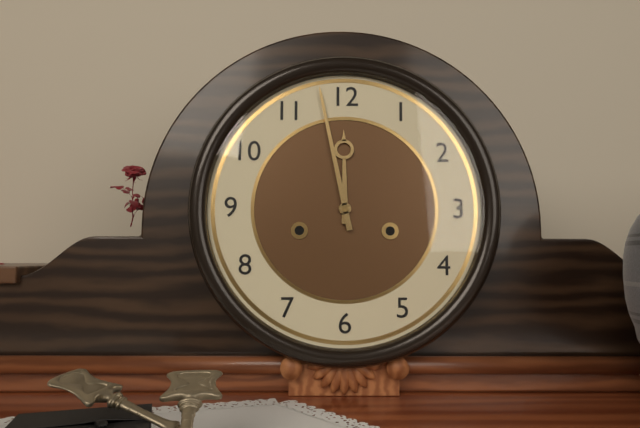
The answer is 11h58
